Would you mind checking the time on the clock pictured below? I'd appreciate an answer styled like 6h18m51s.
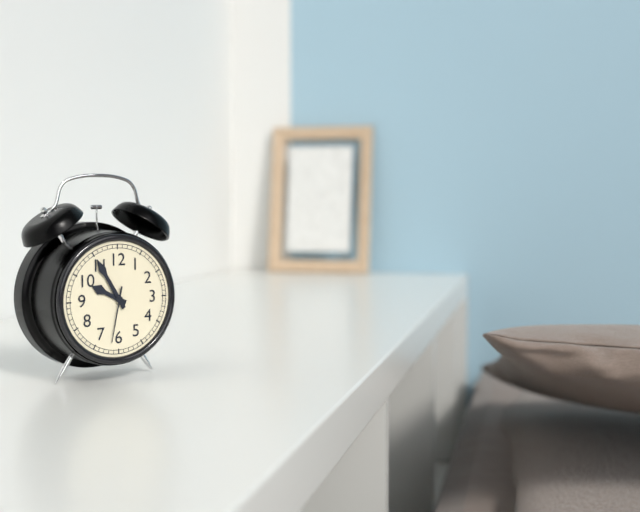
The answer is 9h55m32s
